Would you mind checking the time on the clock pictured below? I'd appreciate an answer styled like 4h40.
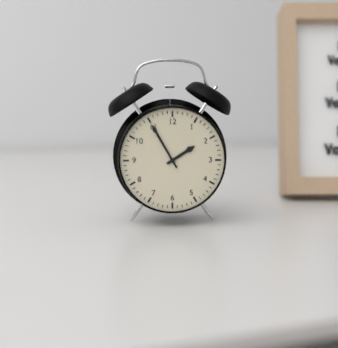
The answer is 1h55
